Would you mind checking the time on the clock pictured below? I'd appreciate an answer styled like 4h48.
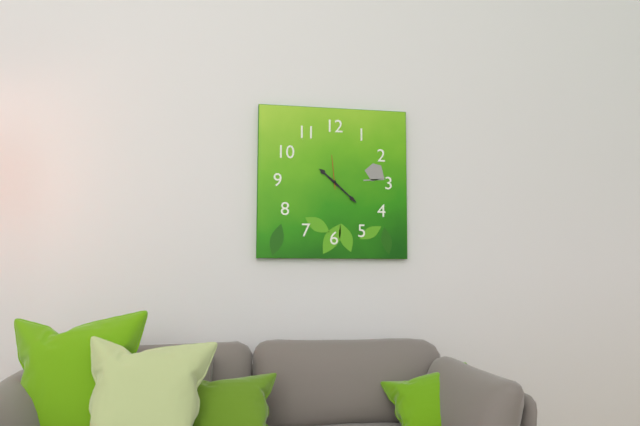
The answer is 10h22
